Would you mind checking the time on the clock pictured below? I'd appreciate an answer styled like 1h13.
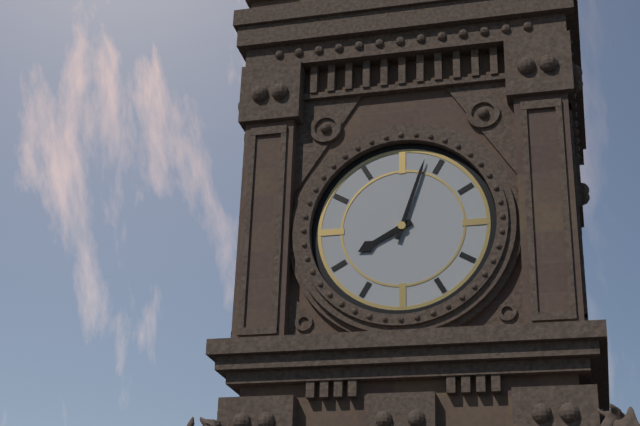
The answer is 8h03
